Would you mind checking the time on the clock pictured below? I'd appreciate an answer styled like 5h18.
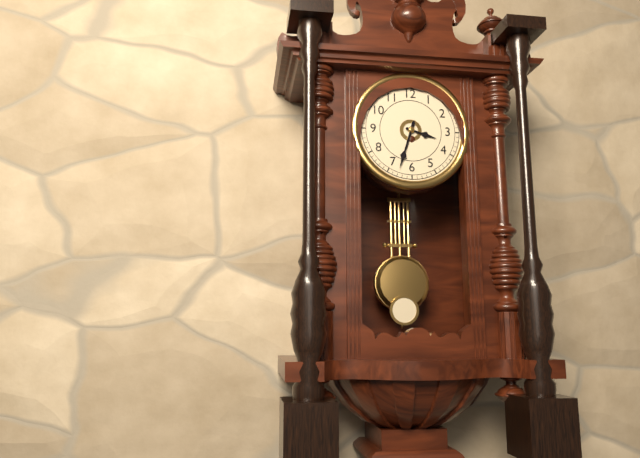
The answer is 3h33
